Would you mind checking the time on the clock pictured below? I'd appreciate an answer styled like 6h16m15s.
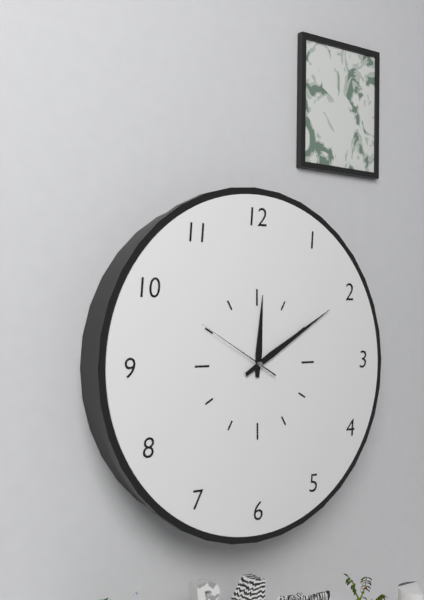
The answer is 12h10m50s
